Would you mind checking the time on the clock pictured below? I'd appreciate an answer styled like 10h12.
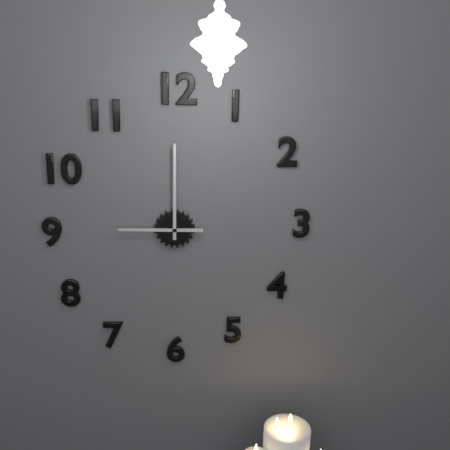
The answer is 9h00
